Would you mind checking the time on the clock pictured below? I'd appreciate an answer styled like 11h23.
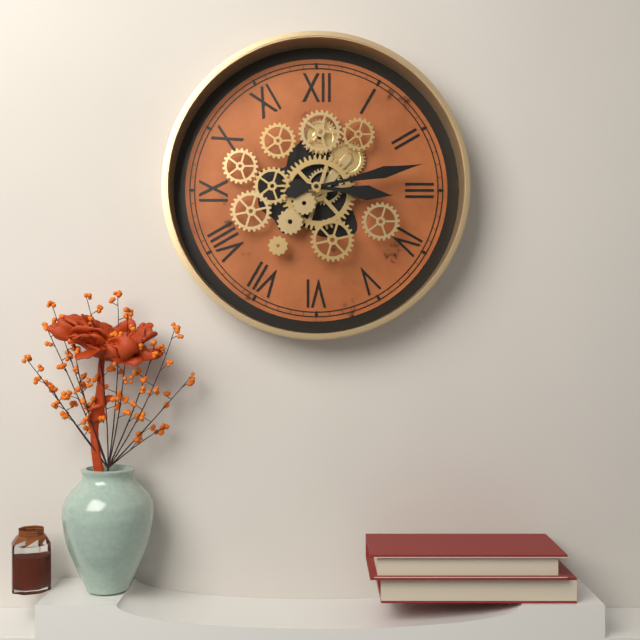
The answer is 3h13
